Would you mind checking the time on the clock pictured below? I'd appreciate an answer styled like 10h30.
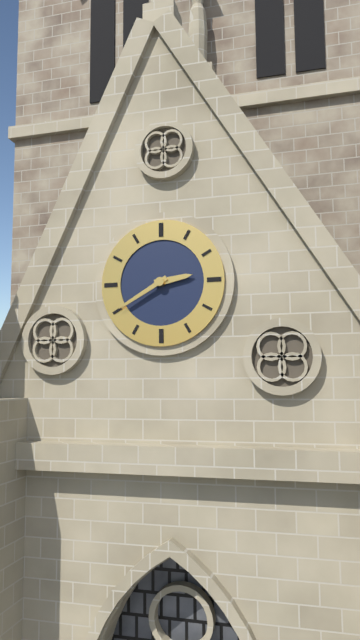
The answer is 2h40
